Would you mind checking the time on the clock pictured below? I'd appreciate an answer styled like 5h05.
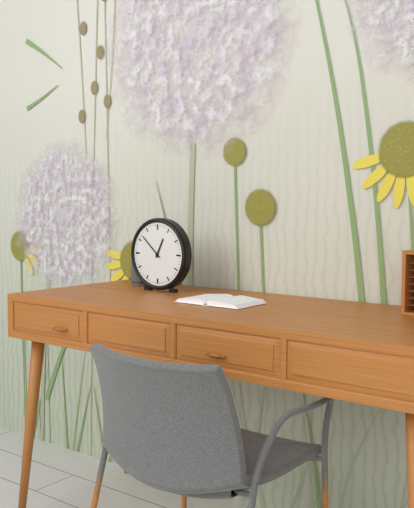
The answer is 12h52
